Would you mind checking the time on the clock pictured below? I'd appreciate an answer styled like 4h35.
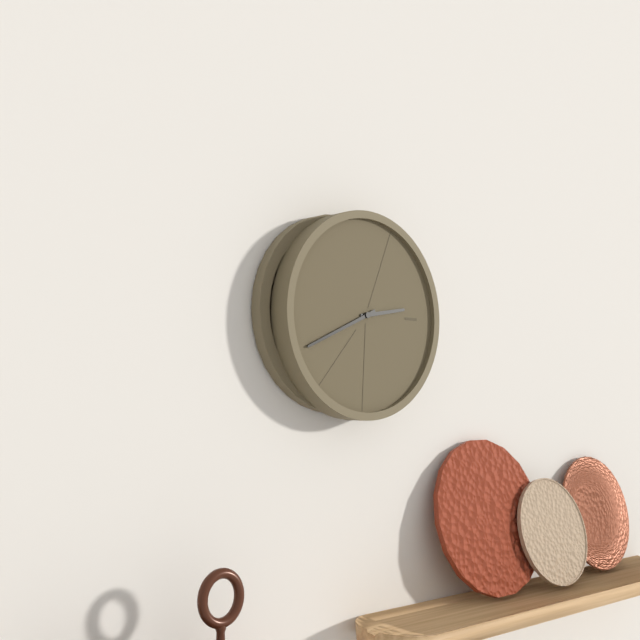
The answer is 2h41
